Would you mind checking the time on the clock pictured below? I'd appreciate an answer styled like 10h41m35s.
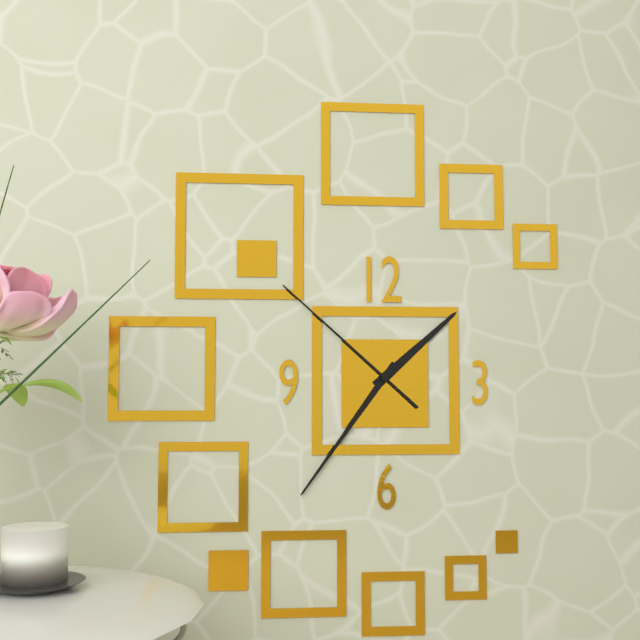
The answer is 1h36m52s
